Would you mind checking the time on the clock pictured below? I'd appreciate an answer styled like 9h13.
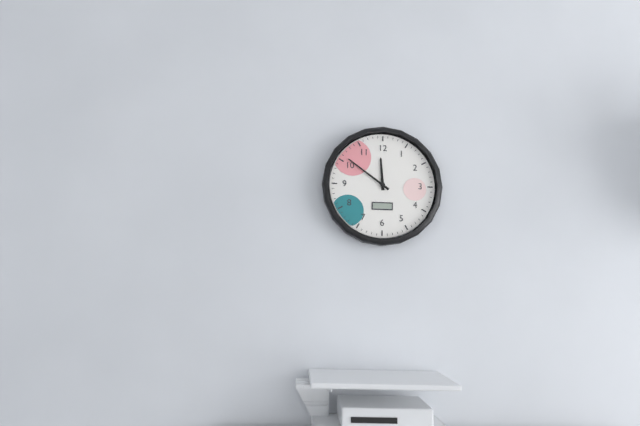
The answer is 11h51
